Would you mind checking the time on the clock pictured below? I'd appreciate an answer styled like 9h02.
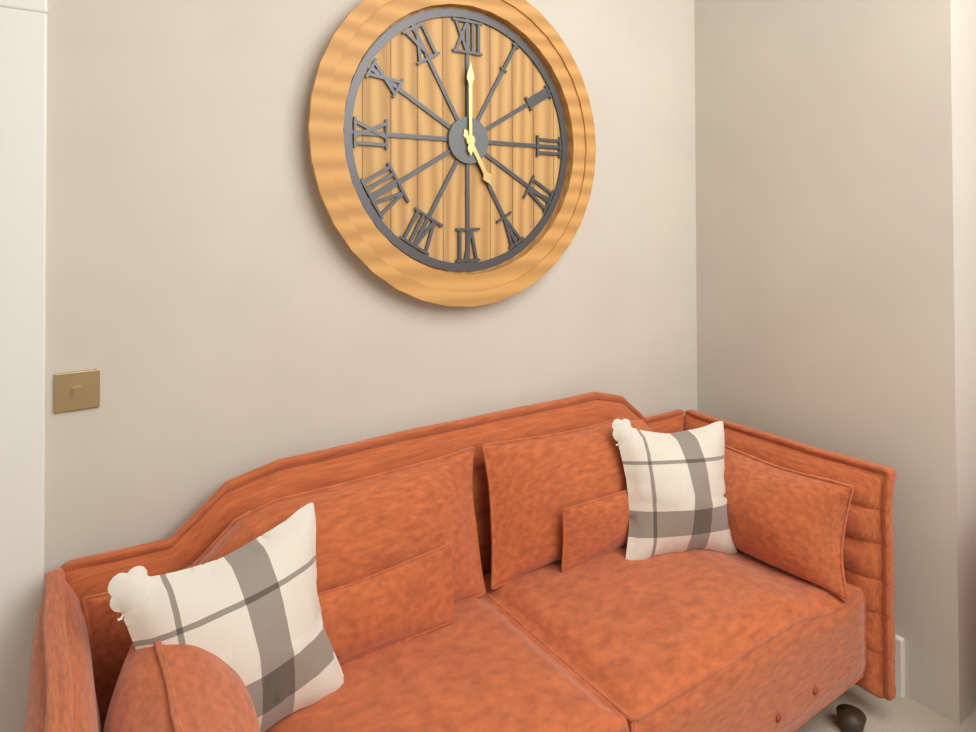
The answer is 5h00
